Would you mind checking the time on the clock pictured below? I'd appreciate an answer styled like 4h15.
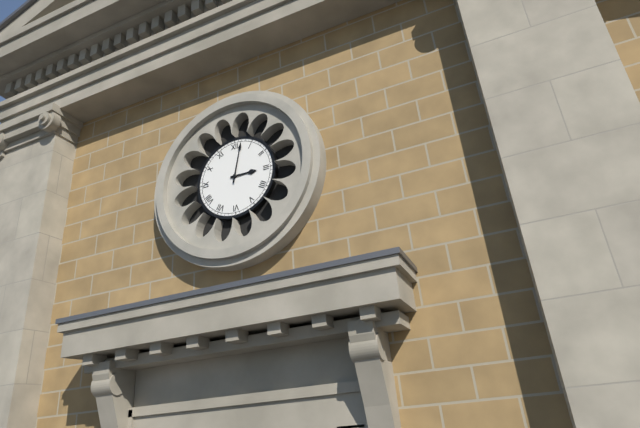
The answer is 3h02
